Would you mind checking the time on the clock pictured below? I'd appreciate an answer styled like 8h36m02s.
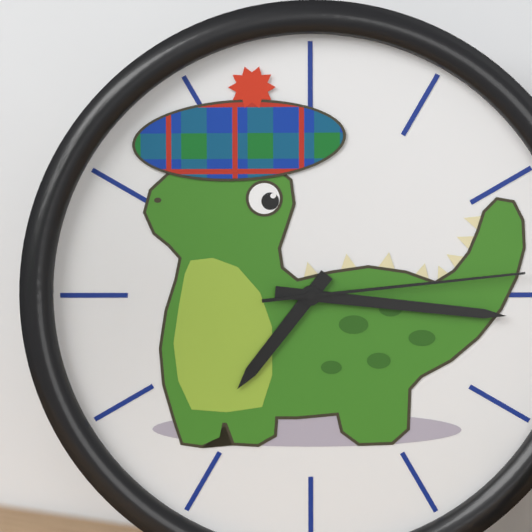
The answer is 7h16m14s
